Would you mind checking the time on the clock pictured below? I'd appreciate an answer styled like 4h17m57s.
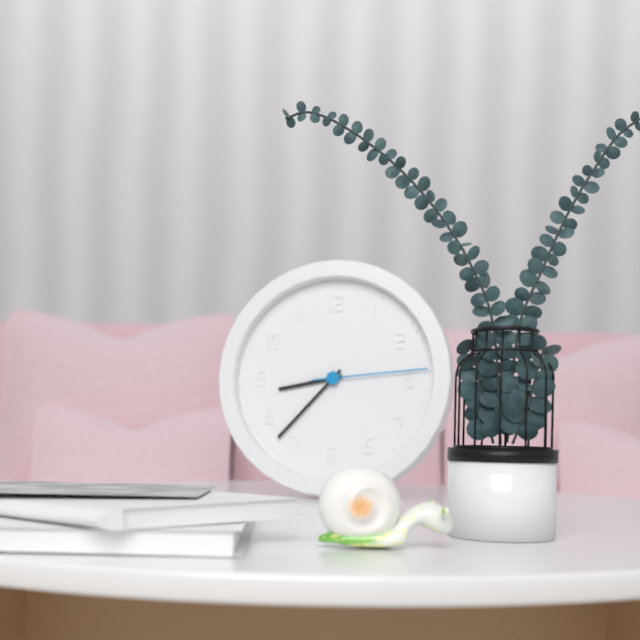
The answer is 8h37m14s
